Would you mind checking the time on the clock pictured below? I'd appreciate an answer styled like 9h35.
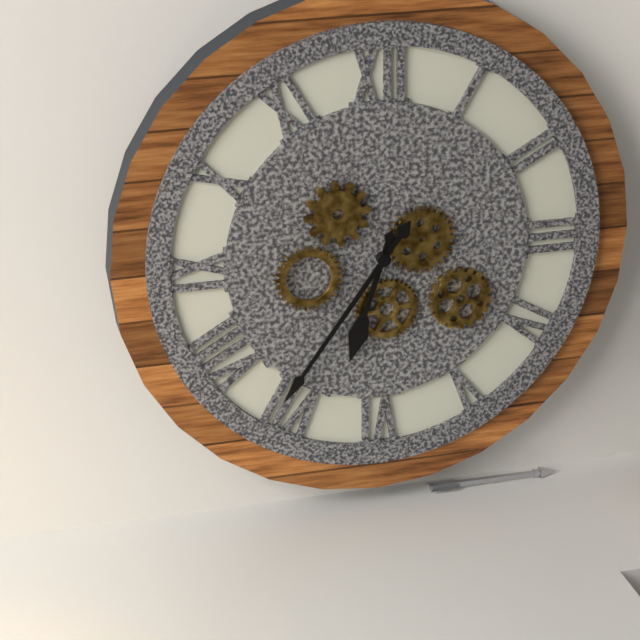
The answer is 6h36
